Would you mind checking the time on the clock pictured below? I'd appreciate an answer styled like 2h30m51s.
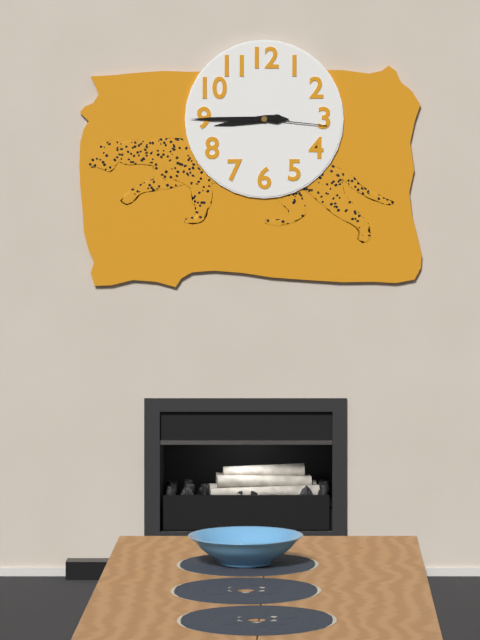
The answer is 8h45m16s
